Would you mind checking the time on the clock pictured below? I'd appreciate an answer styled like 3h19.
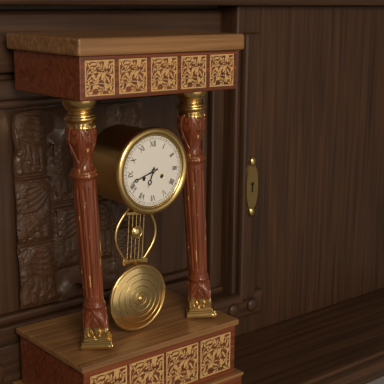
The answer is 6h42
